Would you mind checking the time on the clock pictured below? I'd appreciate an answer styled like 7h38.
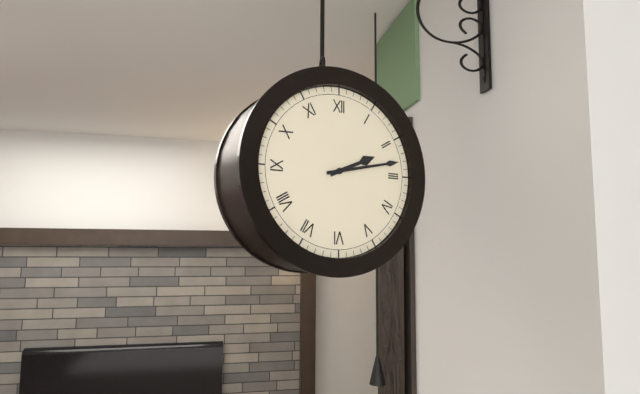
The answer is 2h13
